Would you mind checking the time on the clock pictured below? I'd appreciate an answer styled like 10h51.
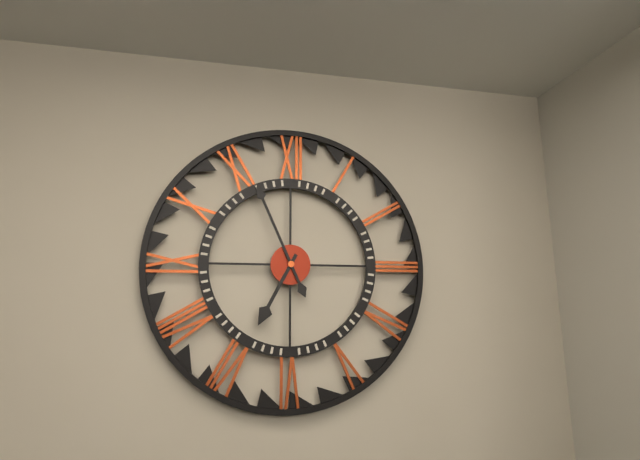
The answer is 6h56
